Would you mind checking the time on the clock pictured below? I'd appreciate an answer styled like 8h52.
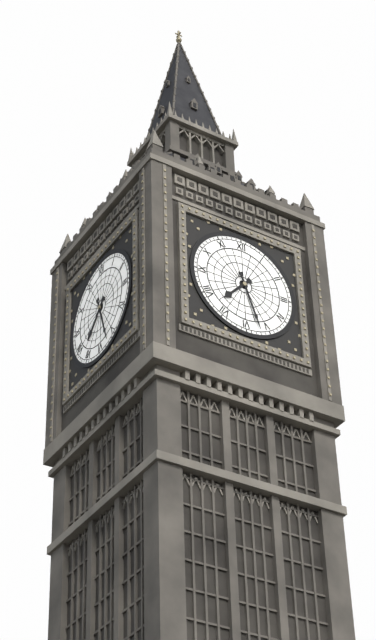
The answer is 7h27
